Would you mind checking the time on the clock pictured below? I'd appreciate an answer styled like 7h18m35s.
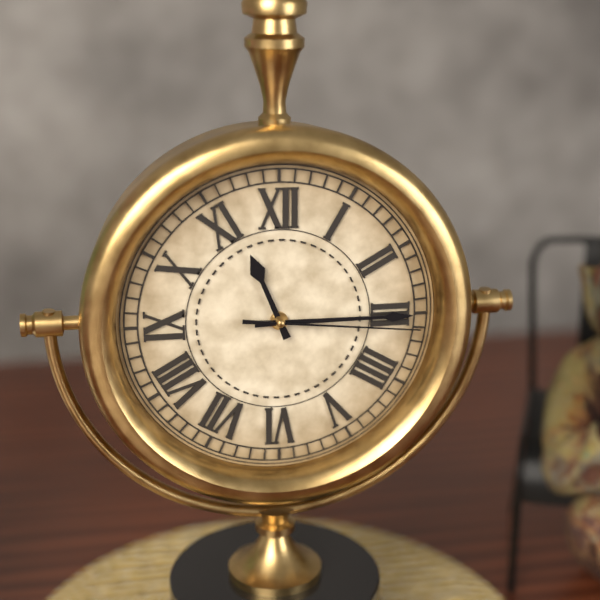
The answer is 11h15m16s
